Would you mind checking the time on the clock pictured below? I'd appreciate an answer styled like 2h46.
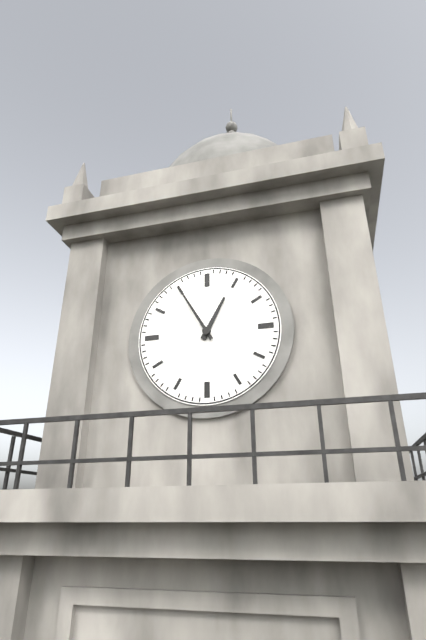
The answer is 12h55
